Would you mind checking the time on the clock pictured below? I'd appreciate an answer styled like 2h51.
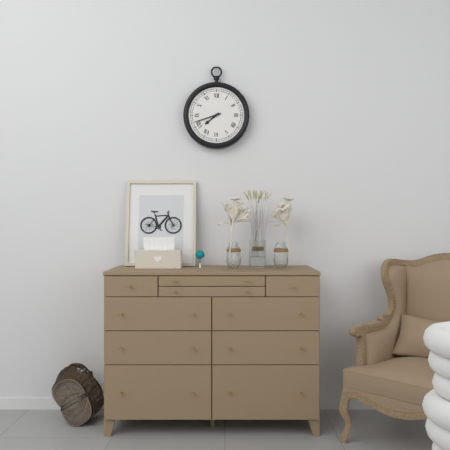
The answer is 7h42
